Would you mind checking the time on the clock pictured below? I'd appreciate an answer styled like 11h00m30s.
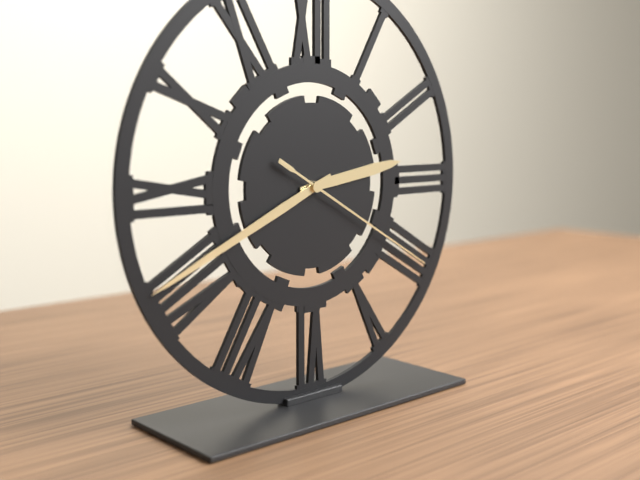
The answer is 2h41m20s
